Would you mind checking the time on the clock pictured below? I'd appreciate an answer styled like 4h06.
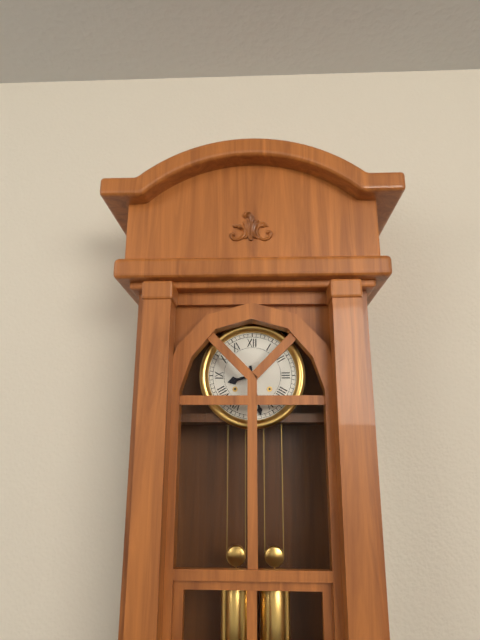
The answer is 8h28
